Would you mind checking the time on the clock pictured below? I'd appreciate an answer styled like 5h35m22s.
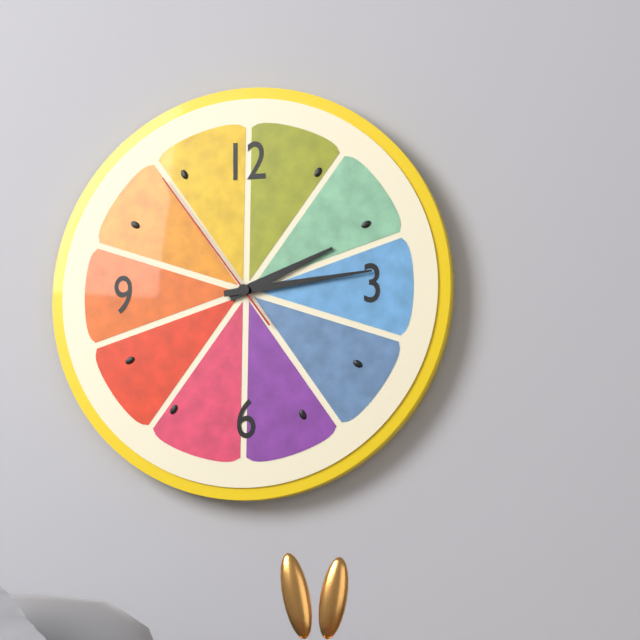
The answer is 2h14m54s
